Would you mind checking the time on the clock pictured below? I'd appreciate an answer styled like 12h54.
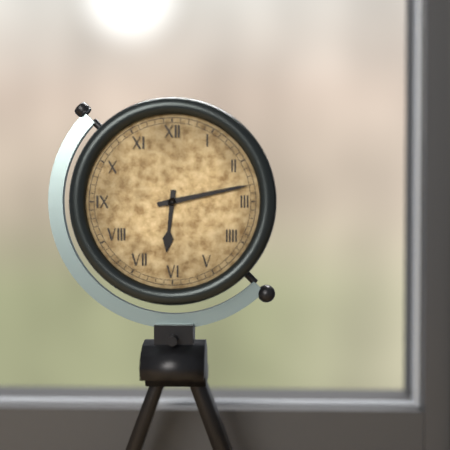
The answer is 6h13
